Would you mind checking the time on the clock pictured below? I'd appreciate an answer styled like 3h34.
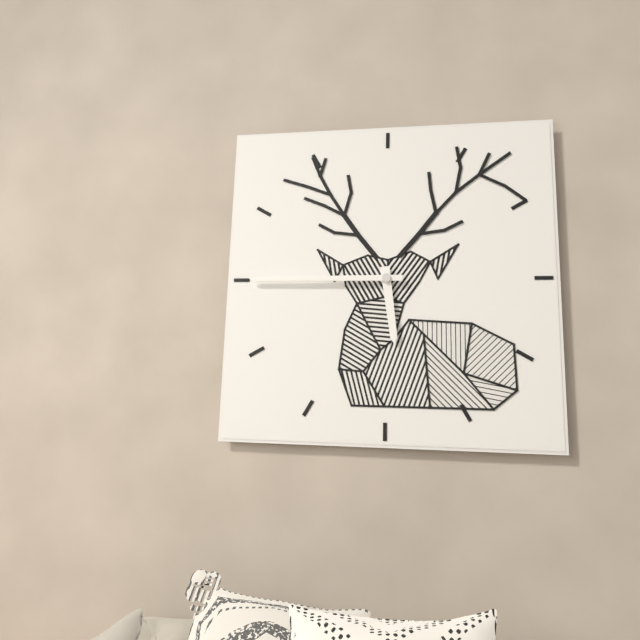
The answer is 5h45
